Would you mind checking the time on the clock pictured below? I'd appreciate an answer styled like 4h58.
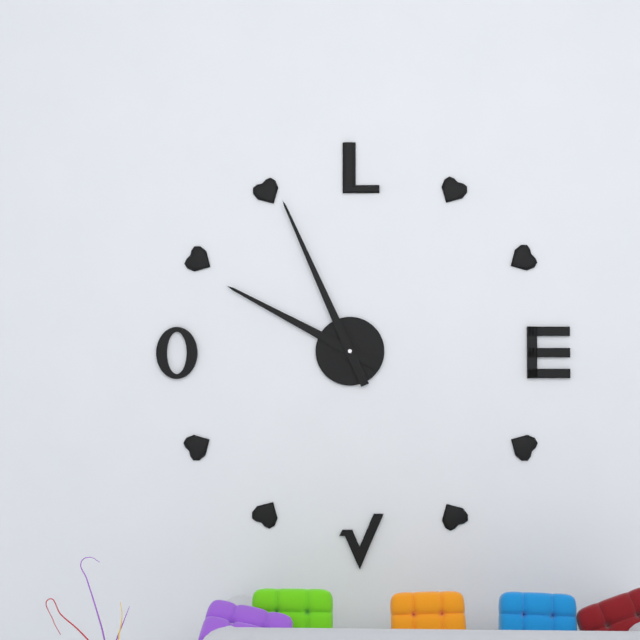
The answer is 9h56
